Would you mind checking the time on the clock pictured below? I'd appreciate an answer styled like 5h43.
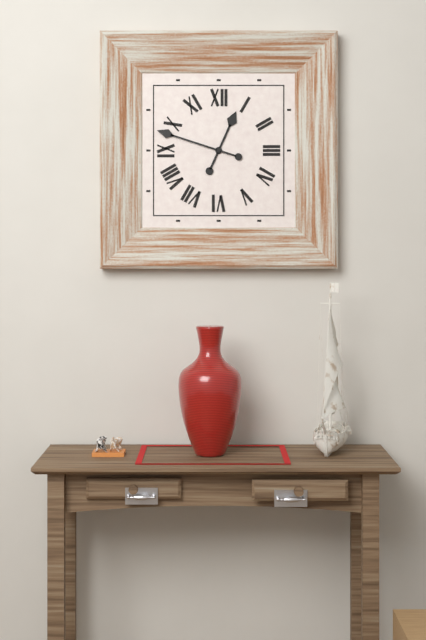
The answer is 12h48
